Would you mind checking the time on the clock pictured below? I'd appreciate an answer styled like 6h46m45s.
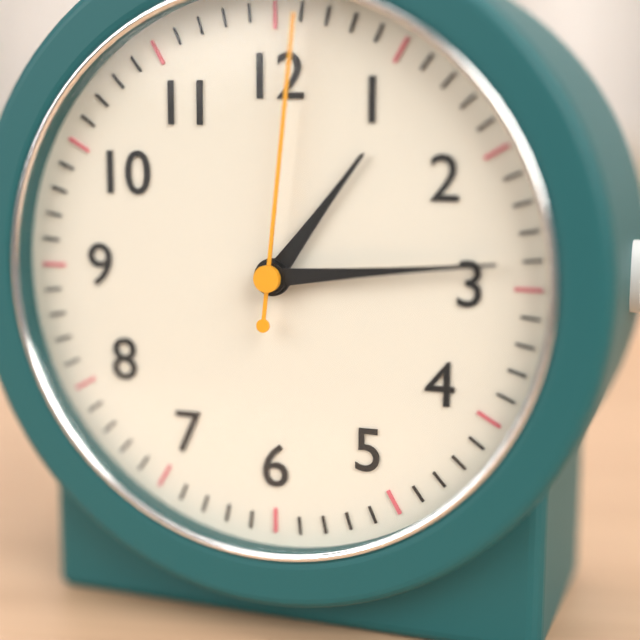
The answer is 1h14m01s
